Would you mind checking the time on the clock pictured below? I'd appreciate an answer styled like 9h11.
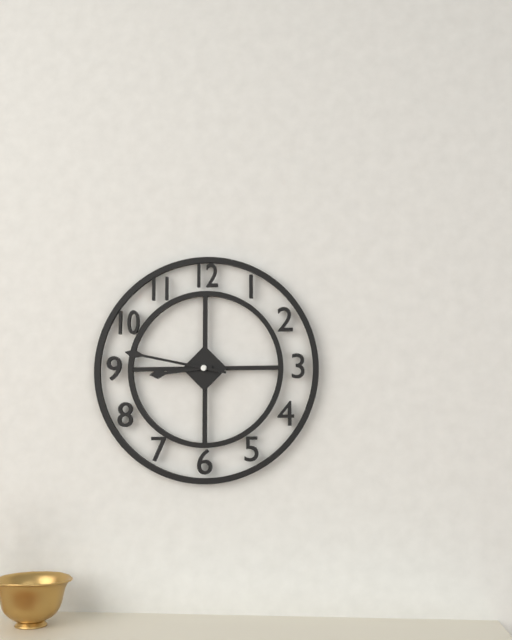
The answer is 8h47
